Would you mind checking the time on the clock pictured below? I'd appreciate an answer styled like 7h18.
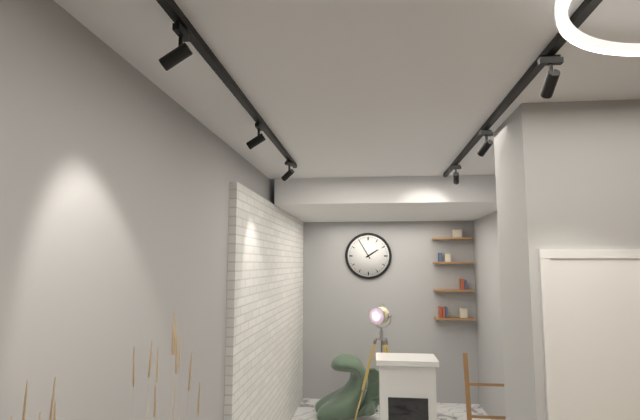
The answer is 1h55
